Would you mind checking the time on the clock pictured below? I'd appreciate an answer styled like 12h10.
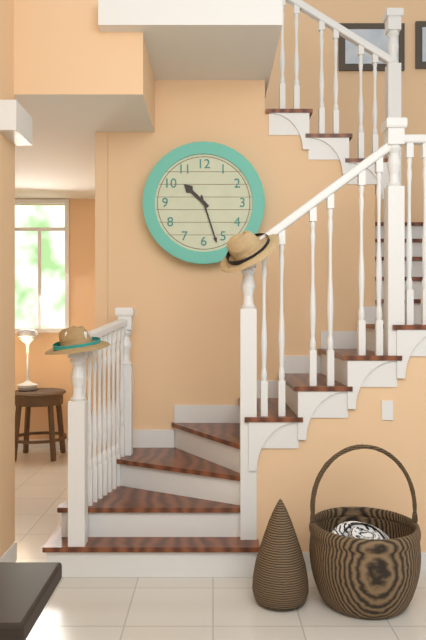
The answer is 10h27
